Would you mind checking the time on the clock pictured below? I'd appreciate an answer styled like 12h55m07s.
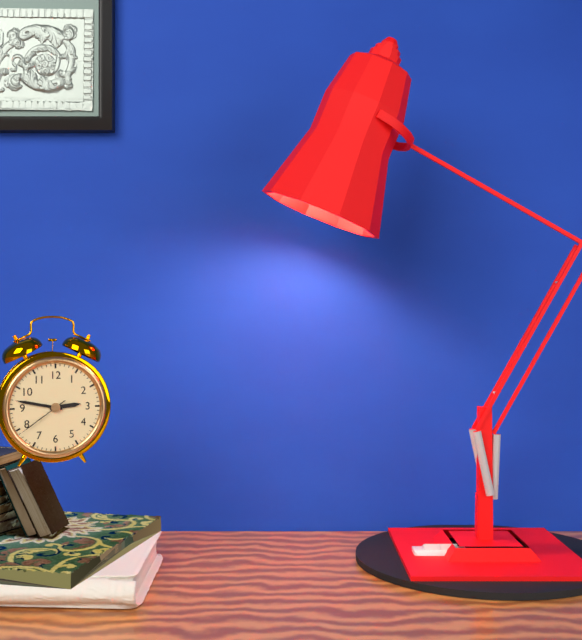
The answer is 2h47m39s
